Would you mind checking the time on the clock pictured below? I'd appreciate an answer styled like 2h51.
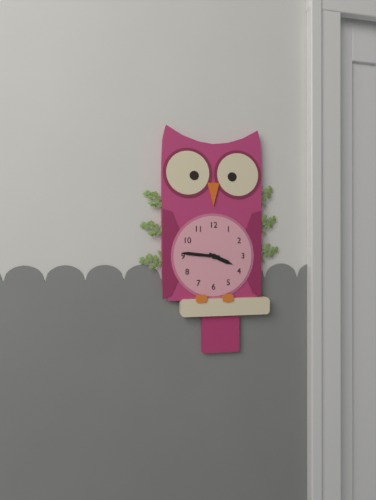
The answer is 3h46
